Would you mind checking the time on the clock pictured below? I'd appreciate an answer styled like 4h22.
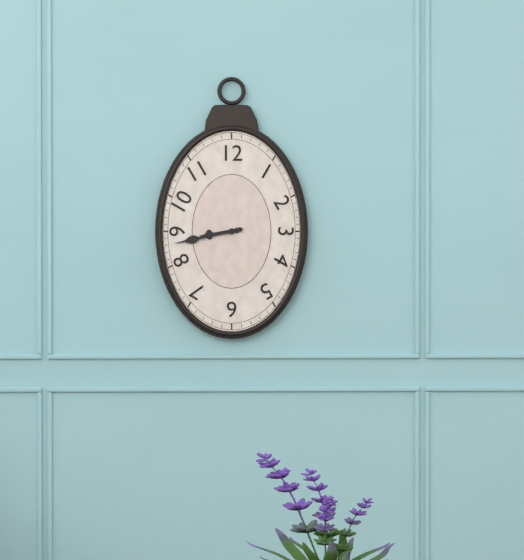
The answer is 8h43
